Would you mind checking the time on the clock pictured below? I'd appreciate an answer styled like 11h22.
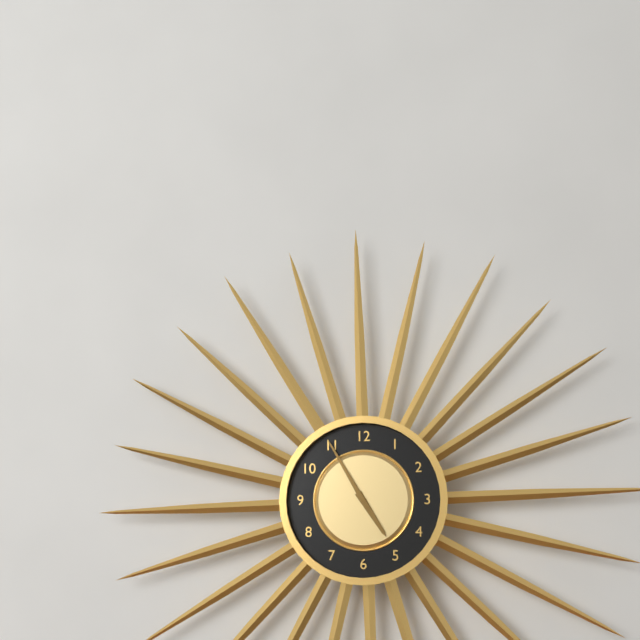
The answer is 4h55
